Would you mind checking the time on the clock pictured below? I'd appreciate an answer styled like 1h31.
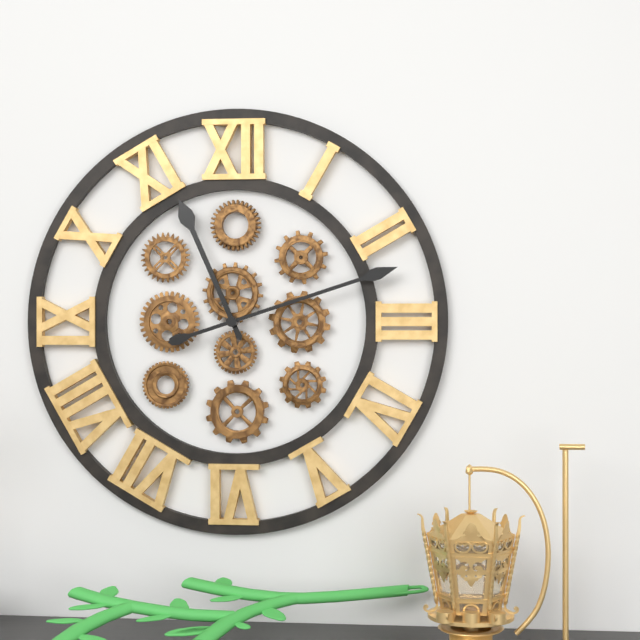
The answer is 11h12
